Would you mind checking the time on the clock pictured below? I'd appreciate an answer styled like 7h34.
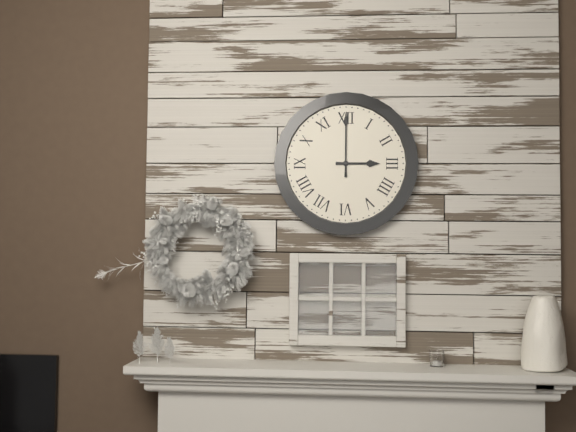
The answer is 3h00
